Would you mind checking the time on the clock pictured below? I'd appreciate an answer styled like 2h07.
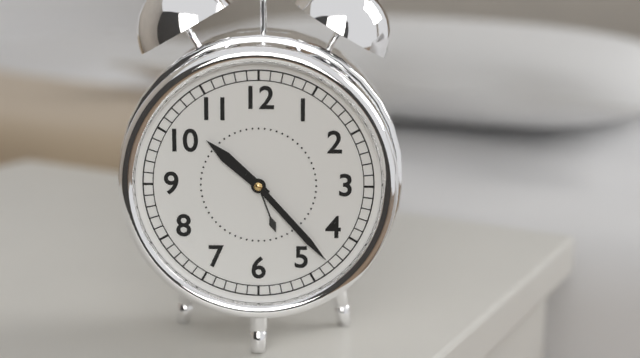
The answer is 10h23
